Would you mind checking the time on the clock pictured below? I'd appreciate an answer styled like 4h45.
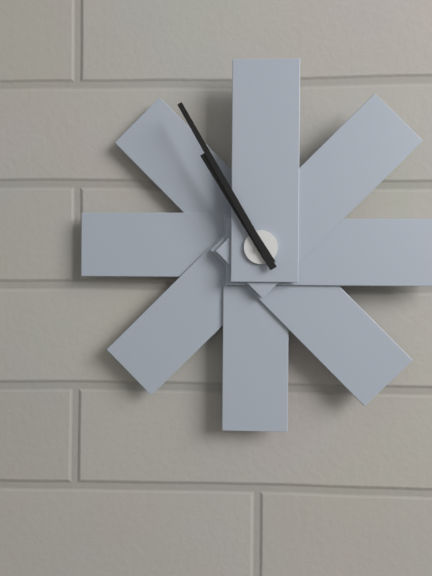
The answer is 10h55
